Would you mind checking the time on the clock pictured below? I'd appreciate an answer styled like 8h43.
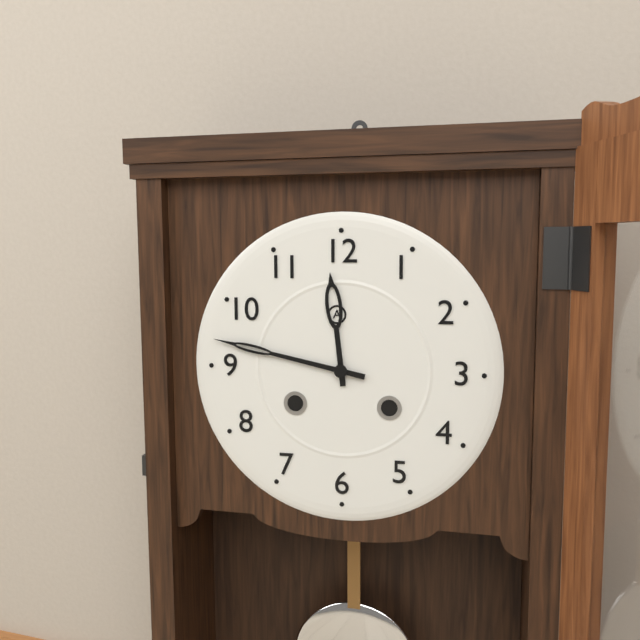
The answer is 11h47
